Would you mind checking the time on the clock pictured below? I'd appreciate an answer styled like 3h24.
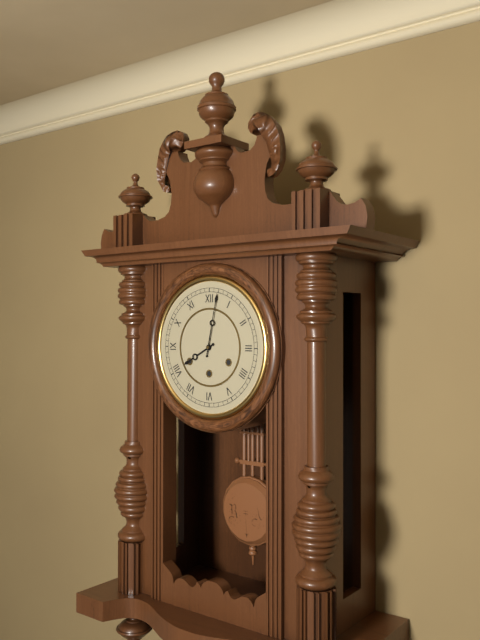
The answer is 8h02
